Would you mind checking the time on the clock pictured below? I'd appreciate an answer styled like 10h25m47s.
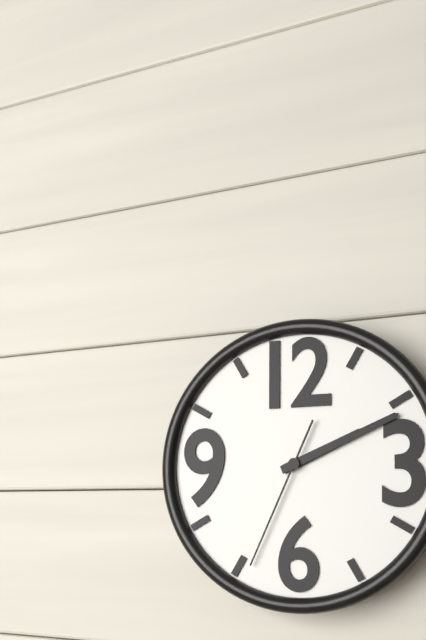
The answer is 2h11m34s
